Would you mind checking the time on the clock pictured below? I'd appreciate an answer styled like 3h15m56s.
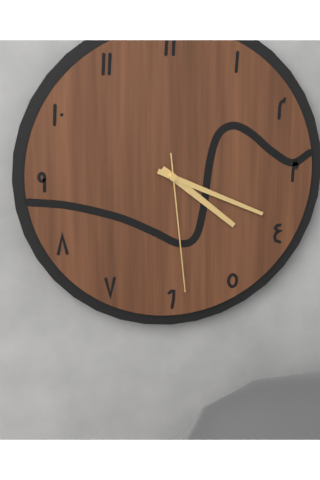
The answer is 4h19m29s
